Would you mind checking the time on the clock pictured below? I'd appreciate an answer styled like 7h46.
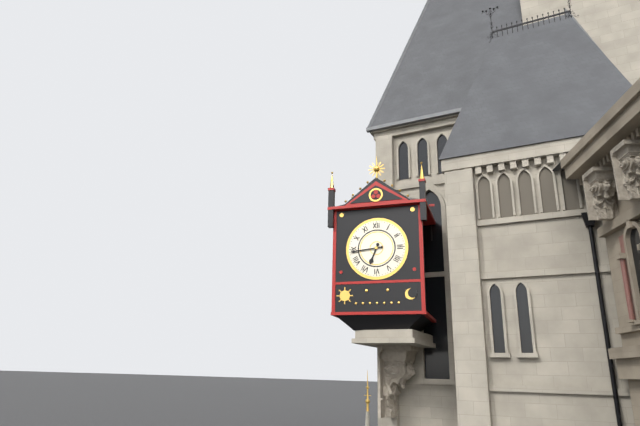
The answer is 6h44
